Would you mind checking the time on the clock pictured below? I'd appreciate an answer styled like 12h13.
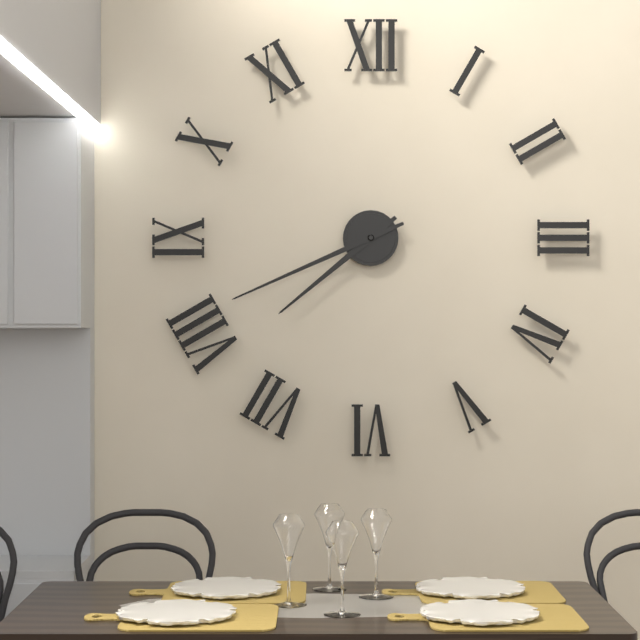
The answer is 7h41
